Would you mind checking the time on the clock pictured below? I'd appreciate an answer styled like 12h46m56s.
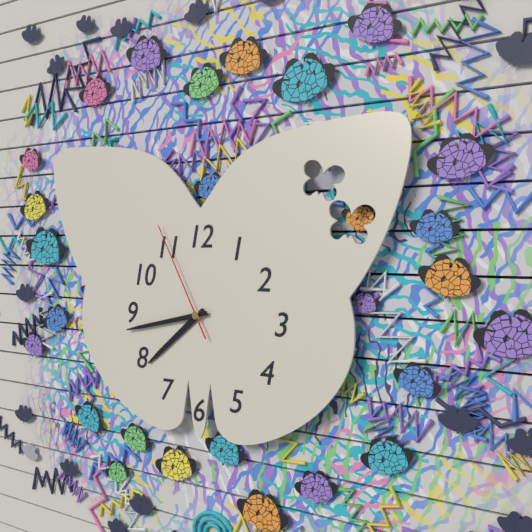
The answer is 7h43m55s
